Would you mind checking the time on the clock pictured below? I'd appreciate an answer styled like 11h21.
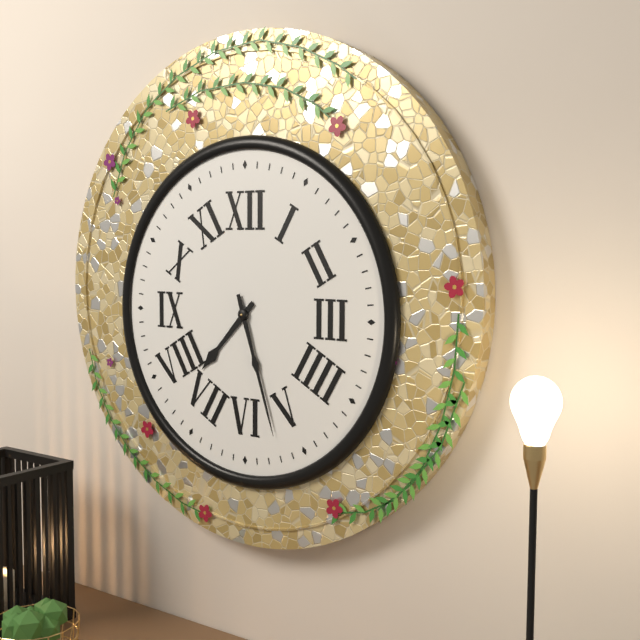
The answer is 7h27
